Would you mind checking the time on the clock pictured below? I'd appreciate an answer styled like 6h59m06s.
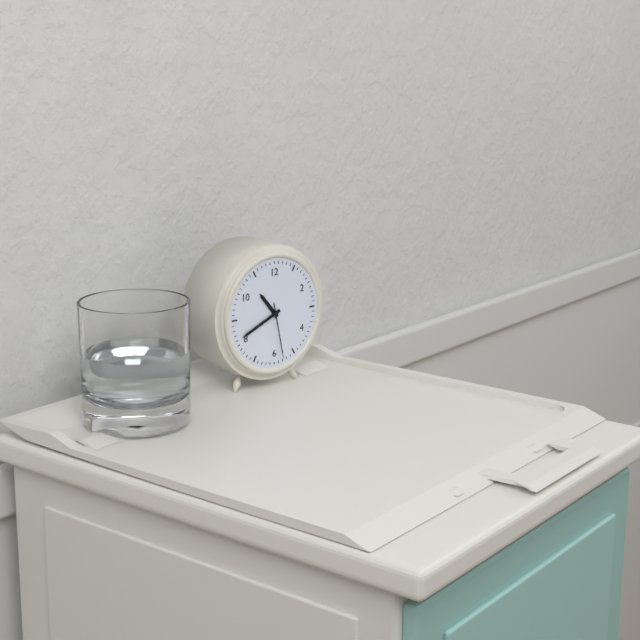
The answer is 10h41m28s
